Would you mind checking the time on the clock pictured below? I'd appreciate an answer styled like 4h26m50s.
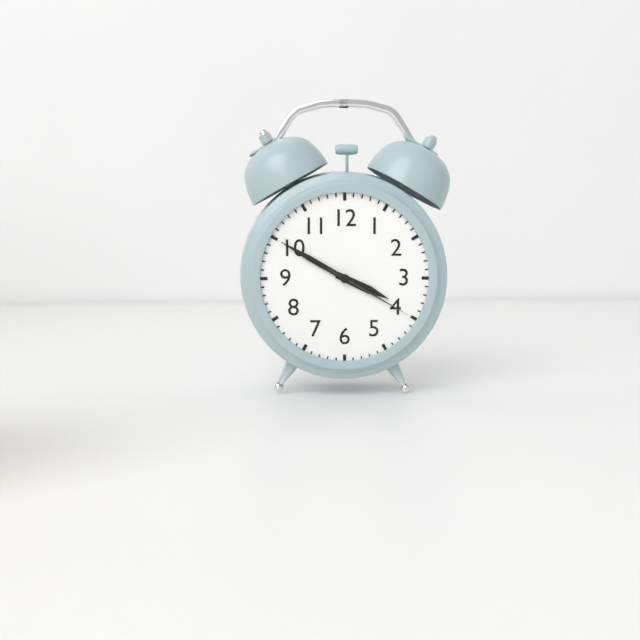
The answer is 3h50m20s
